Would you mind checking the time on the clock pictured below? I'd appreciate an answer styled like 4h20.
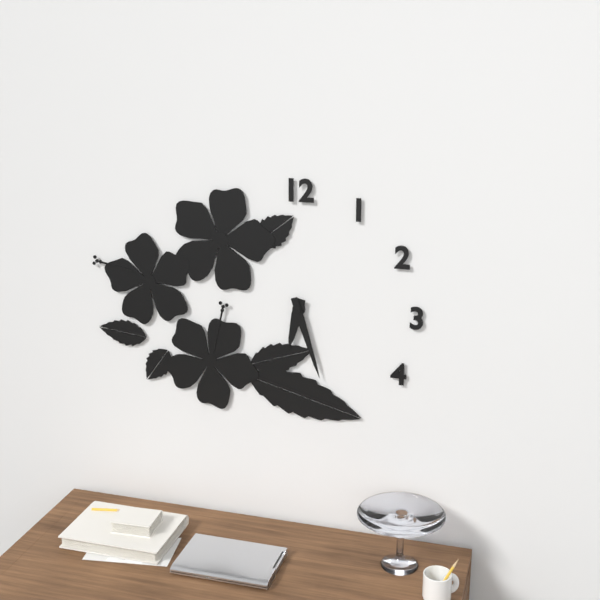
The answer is 6h27
